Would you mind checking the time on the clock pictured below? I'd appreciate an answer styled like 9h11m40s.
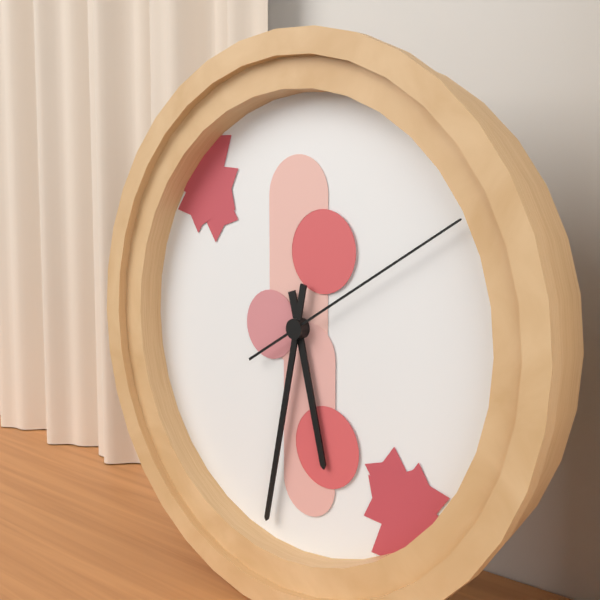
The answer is 5h32m10s
